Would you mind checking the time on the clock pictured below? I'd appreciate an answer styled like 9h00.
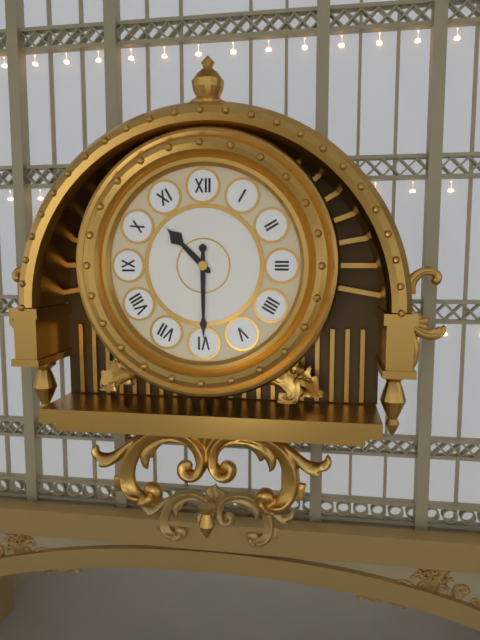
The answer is 10h30
